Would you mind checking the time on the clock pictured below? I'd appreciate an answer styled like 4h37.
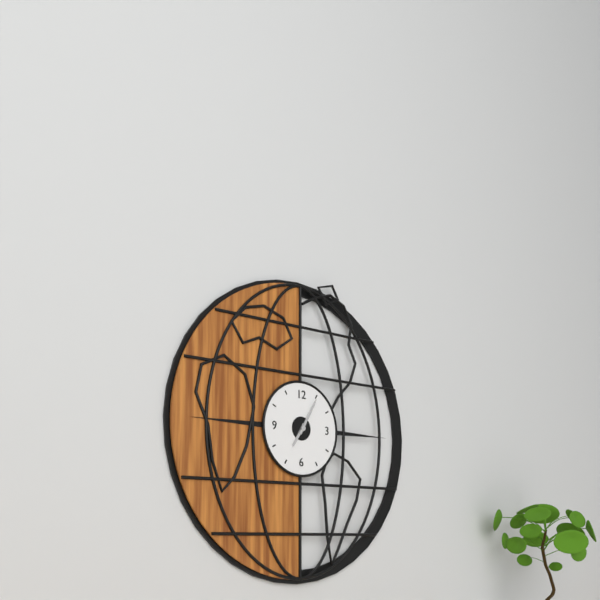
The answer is 7h05
